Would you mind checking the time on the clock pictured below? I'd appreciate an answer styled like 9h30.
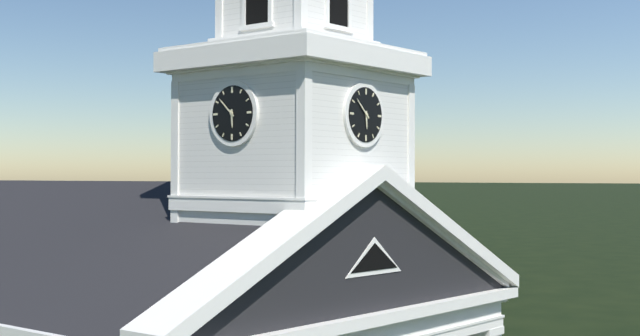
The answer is 5h52
